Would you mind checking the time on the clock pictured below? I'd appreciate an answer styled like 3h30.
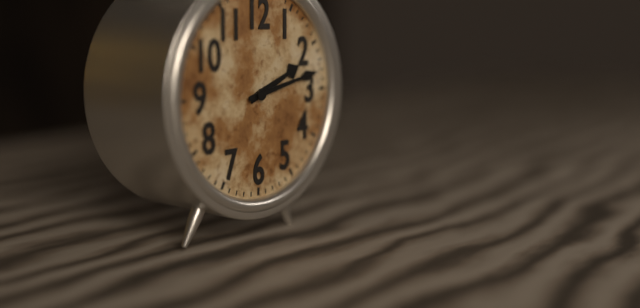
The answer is 2h13
